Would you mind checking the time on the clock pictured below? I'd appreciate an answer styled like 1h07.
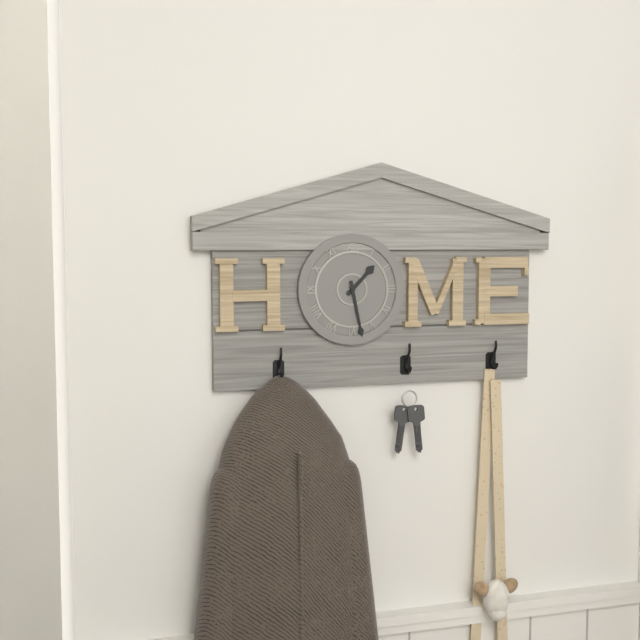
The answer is 1h28
